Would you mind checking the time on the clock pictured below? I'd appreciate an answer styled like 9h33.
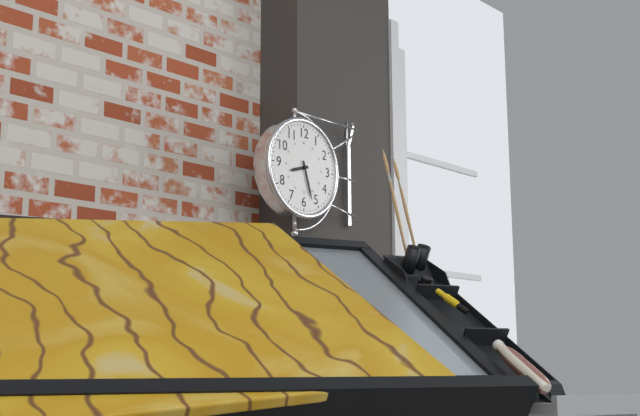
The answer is 8h27
